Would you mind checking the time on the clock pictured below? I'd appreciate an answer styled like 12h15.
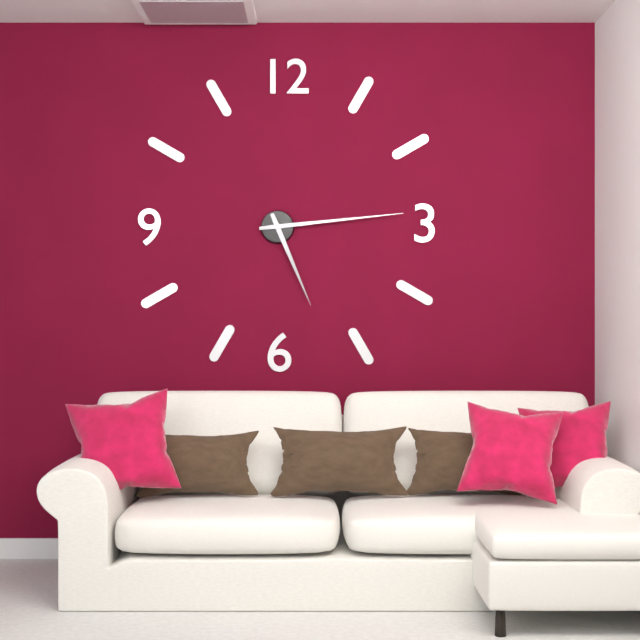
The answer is 5h14
